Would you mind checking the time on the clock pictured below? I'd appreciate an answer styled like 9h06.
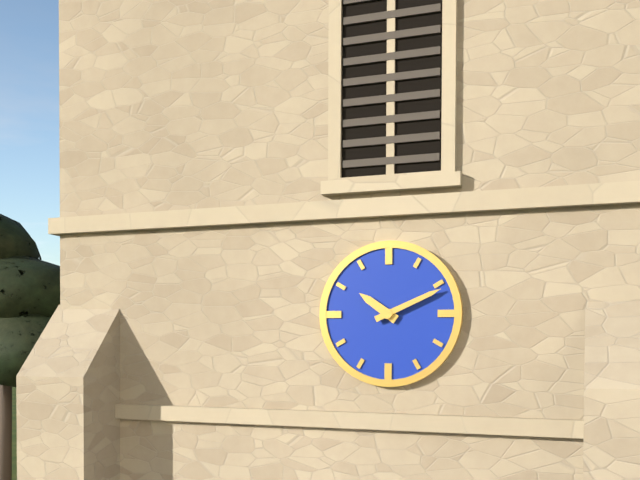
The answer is 10h11
